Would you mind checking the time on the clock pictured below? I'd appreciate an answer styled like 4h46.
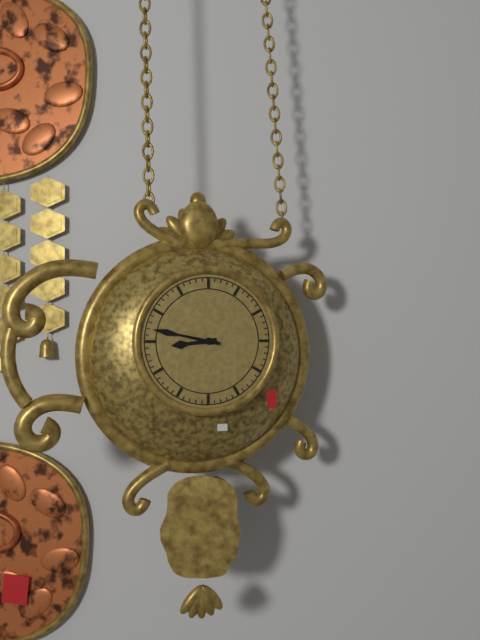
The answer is 8h47
